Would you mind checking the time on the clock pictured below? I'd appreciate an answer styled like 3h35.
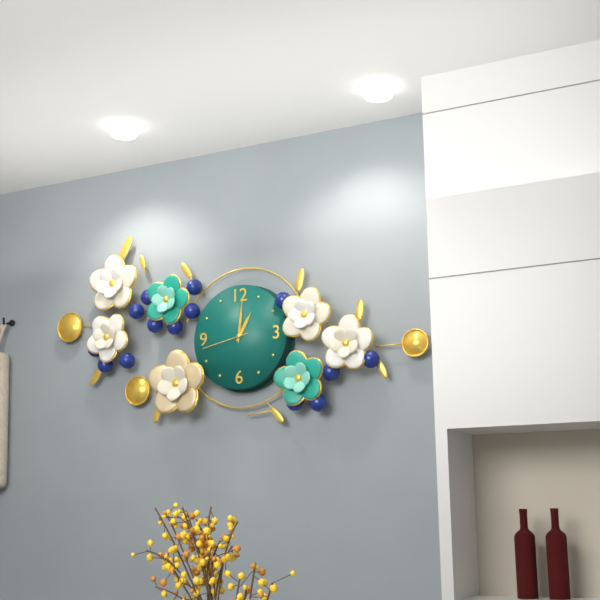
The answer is 1h01
